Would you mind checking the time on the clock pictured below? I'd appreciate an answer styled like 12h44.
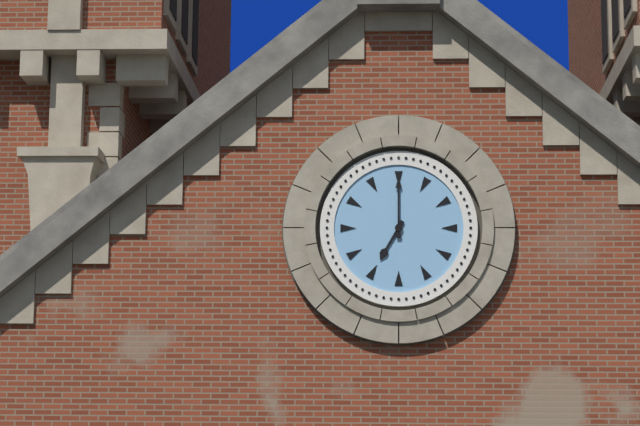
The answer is 7h00
